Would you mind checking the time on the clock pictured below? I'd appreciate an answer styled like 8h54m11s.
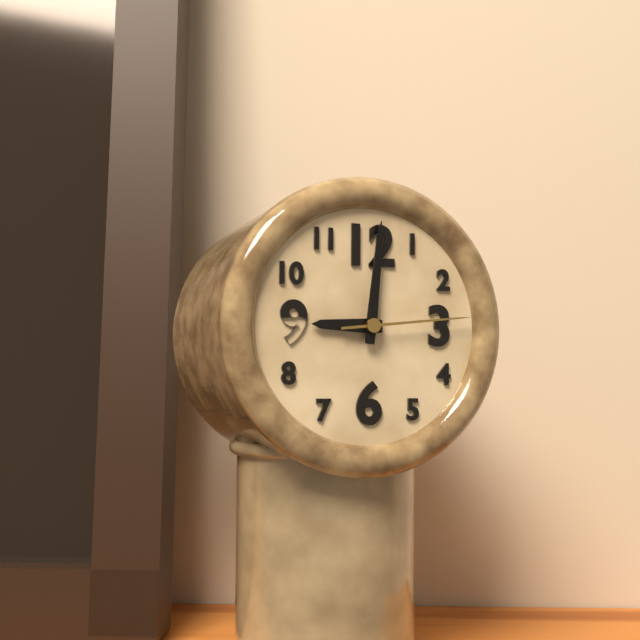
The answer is 9h01m14s
